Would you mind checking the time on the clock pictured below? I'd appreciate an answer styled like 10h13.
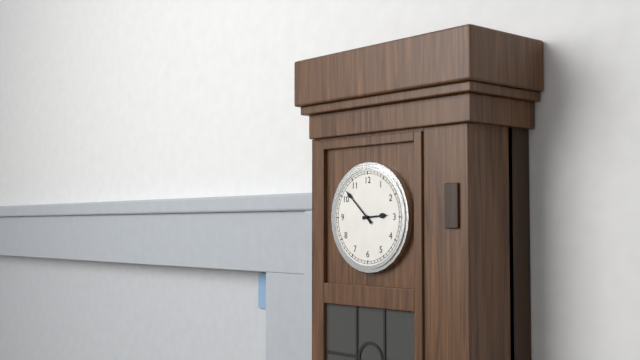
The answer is 2h52
